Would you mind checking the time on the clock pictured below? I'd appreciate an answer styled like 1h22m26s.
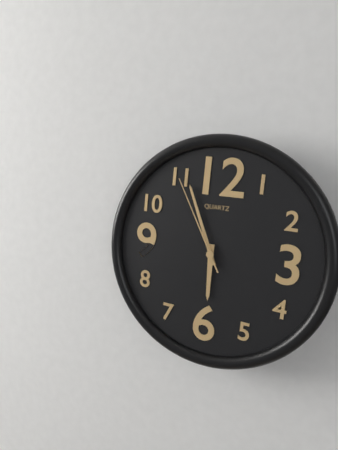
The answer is 5h56m55s
